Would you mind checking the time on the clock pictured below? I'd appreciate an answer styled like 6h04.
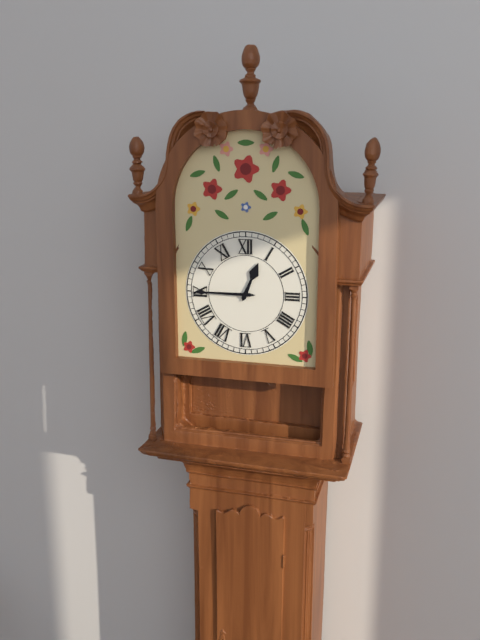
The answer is 12h45
